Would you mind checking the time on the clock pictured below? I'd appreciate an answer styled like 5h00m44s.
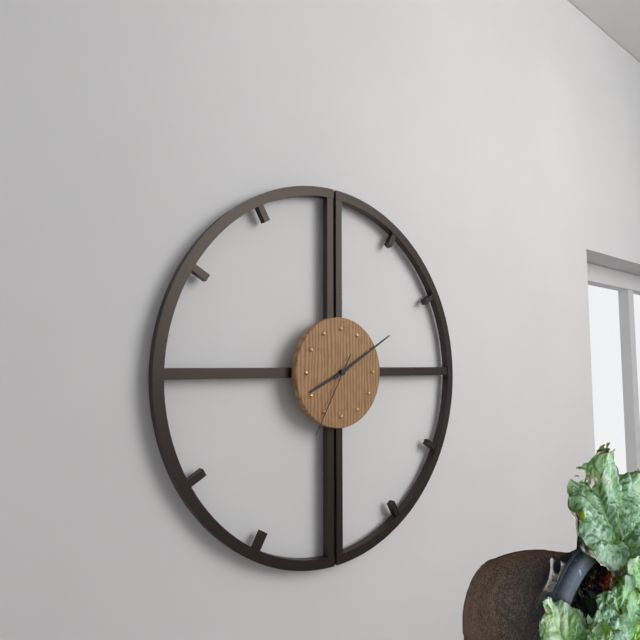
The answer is 8h10m35s
